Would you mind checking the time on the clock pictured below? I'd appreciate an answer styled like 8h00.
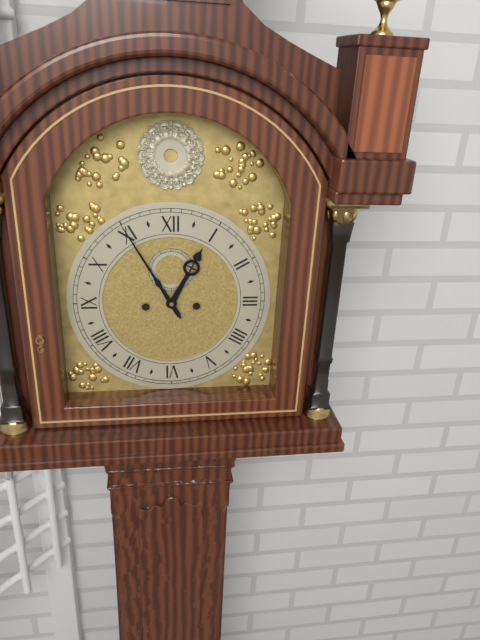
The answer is 12h55
